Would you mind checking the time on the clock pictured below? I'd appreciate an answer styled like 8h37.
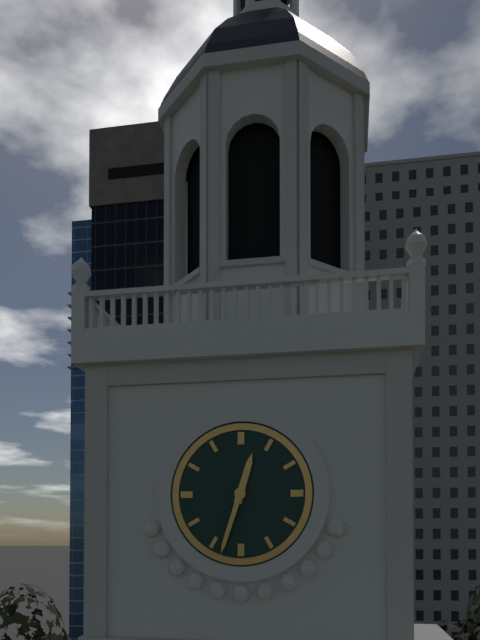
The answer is 12h33
